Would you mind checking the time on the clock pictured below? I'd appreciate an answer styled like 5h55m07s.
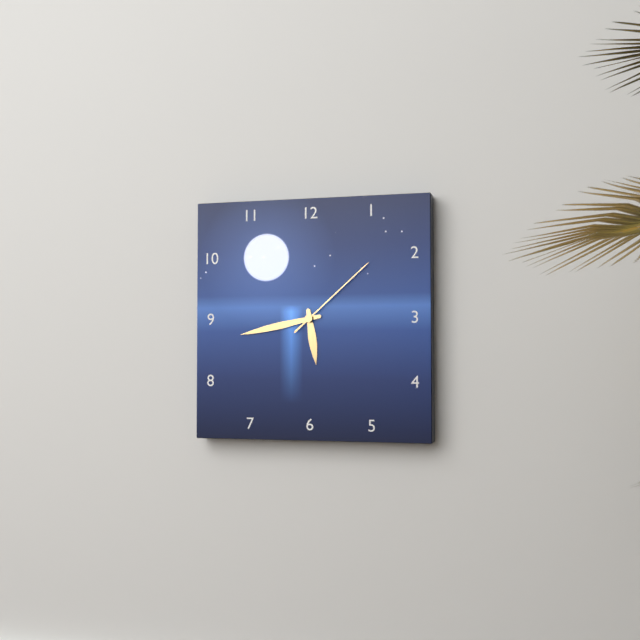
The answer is 5h43m08s
